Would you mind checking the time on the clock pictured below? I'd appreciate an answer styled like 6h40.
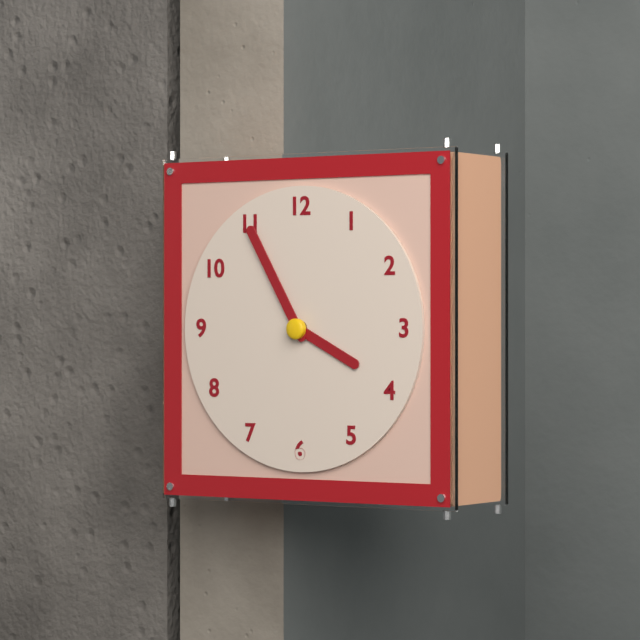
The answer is 3h55
